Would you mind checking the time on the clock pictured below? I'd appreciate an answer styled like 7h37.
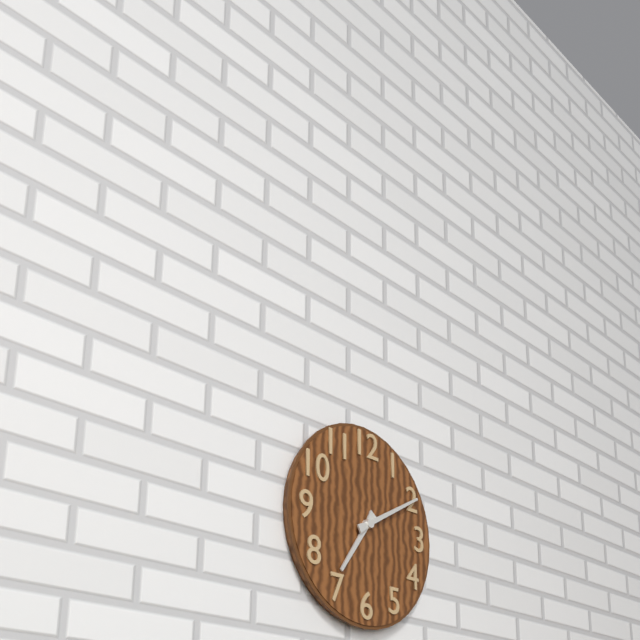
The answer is 7h10
